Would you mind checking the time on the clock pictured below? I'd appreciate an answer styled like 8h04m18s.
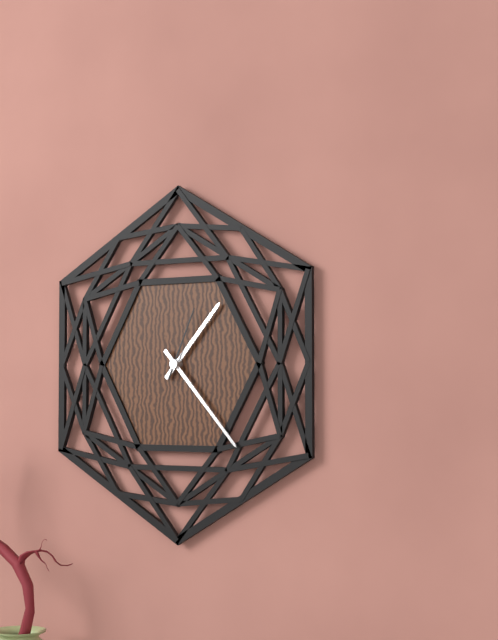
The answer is 1h23m04s
